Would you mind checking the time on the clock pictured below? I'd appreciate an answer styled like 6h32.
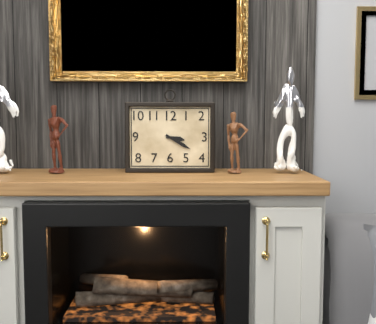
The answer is 3h20
